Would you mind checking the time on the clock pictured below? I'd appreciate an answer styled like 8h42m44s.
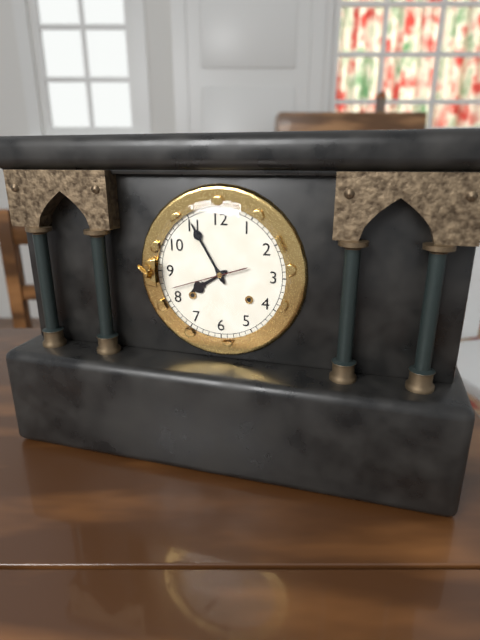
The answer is 7h55m42s
